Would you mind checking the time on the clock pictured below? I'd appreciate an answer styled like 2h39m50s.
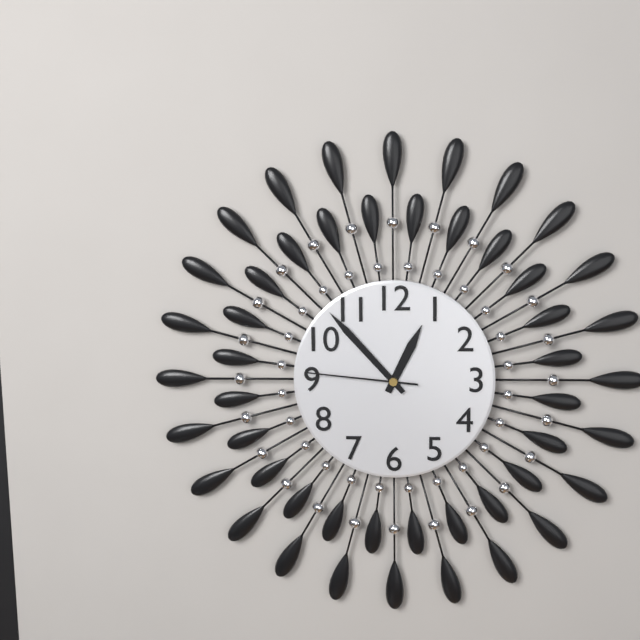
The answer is 12h53m46s
